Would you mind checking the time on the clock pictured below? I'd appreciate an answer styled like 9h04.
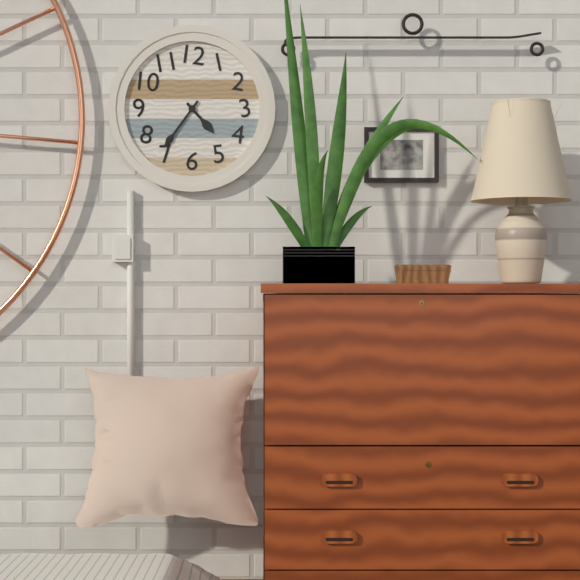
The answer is 4h36
